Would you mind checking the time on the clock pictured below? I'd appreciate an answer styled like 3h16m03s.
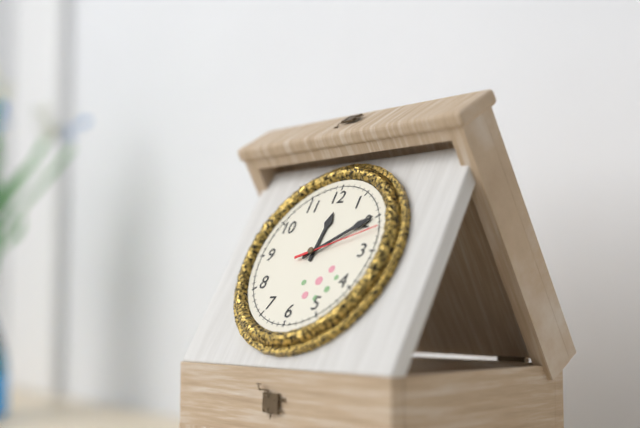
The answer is 12h10m12s
